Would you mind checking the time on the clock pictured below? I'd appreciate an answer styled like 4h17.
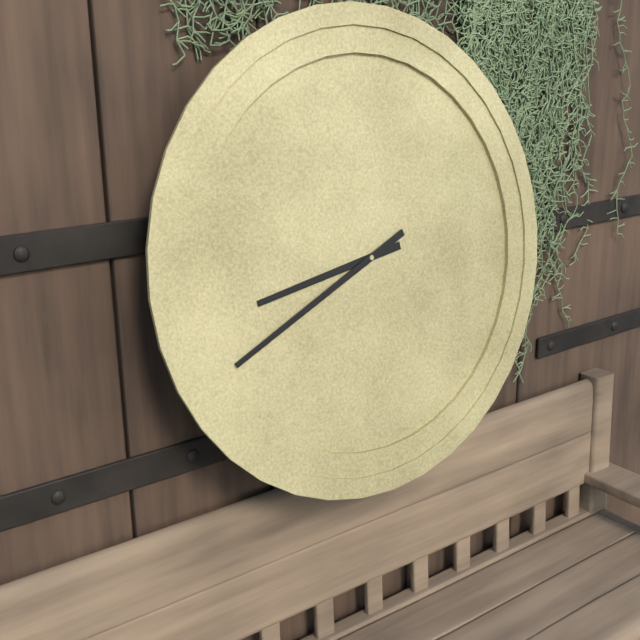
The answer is 8h41
